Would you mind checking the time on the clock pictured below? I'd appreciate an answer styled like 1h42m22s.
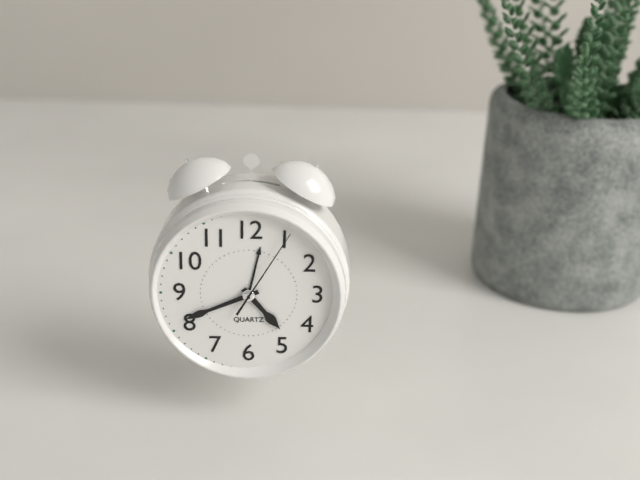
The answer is 4h41m05s
